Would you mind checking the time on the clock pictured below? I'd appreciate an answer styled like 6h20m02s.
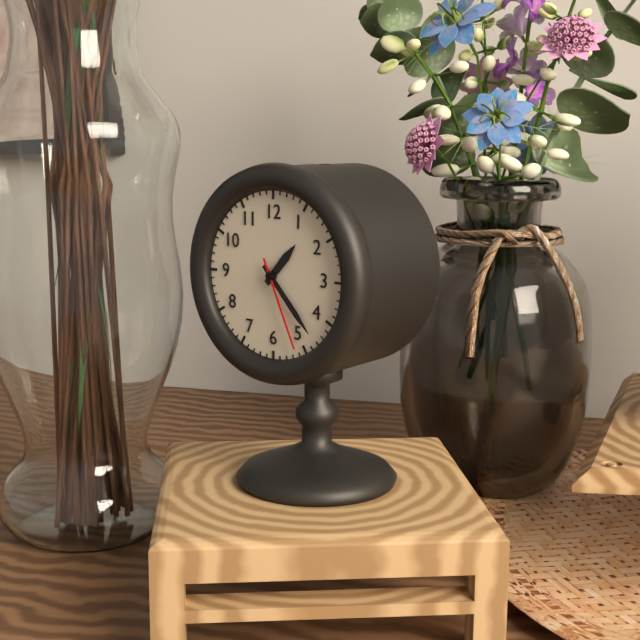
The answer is 1h23m26s
